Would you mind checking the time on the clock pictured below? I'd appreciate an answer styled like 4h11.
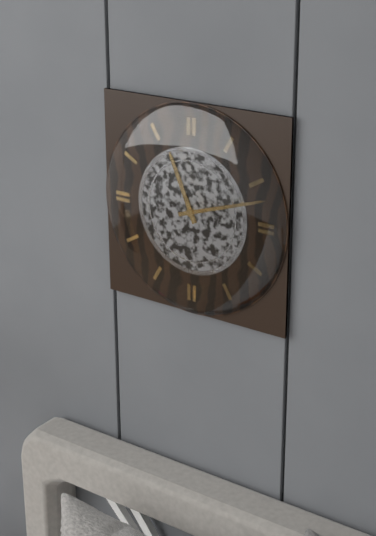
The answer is 11h12
